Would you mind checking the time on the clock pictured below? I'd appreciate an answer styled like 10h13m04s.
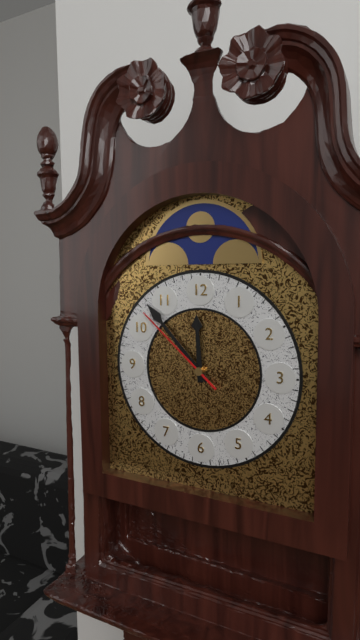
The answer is 11h53m52s
